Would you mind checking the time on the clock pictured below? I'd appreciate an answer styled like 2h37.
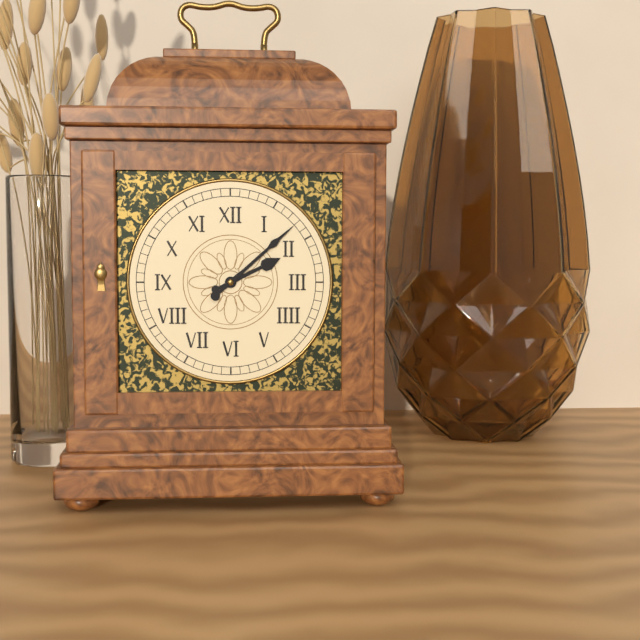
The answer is 2h08
